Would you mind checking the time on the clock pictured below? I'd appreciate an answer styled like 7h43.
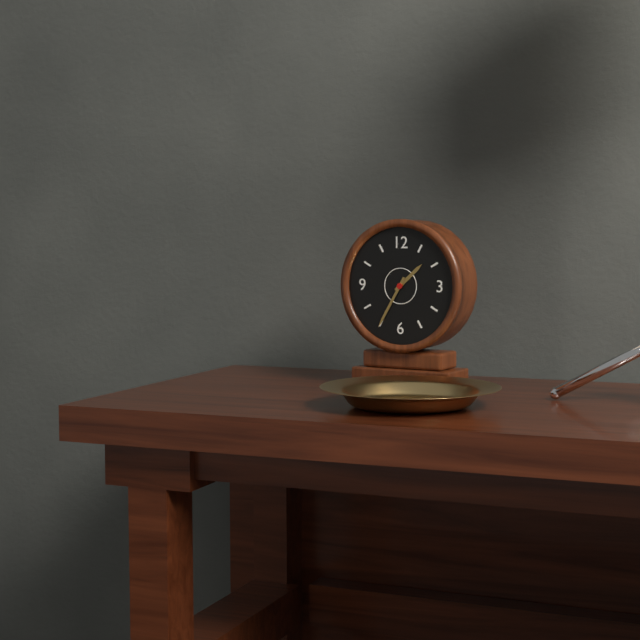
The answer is 1h35
